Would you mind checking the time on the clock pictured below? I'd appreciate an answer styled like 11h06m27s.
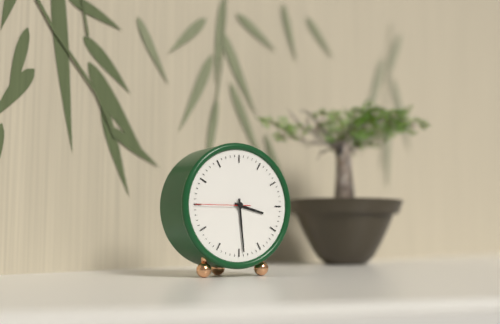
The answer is 3h29m45s
